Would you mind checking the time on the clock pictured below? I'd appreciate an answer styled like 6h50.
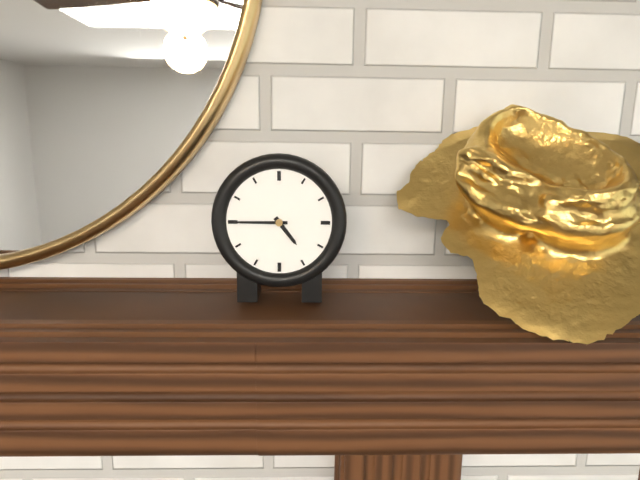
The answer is 4h45
